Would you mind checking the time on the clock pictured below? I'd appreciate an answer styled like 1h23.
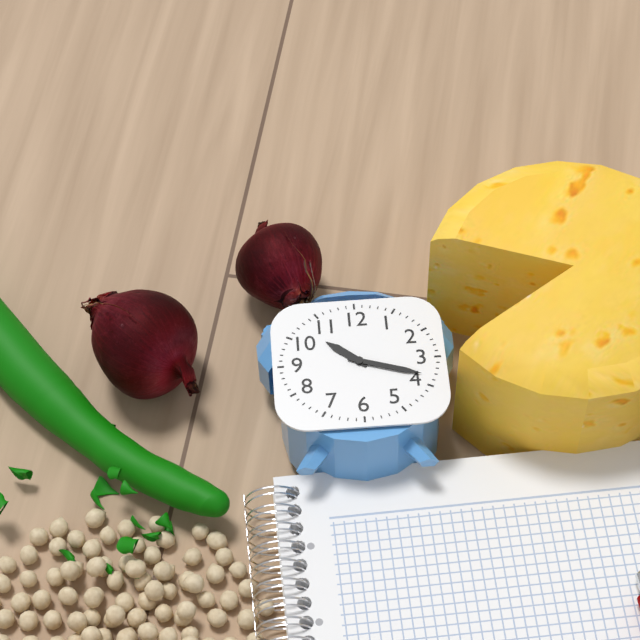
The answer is 10h18
